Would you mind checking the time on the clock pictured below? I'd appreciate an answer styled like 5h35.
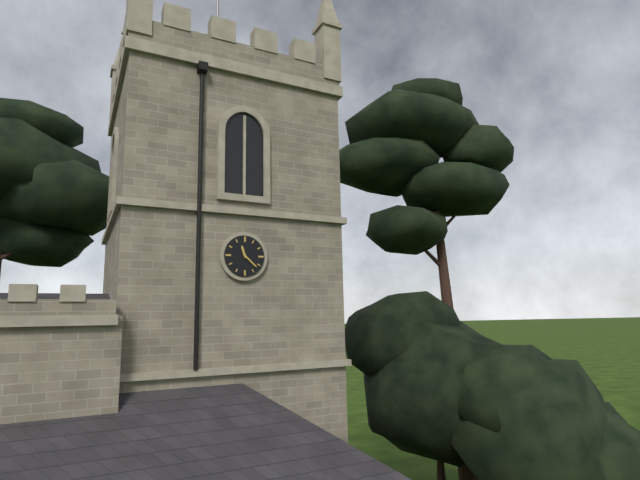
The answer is 11h22
